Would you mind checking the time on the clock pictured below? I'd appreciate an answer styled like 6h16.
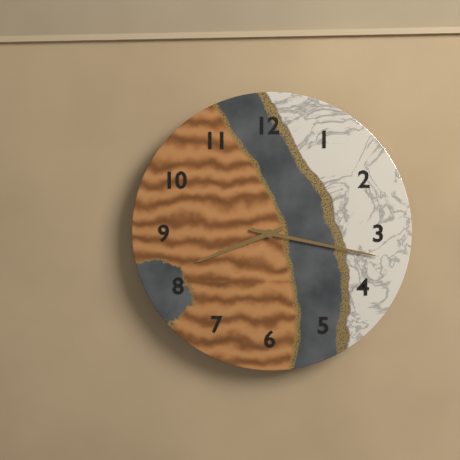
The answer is 8h17
